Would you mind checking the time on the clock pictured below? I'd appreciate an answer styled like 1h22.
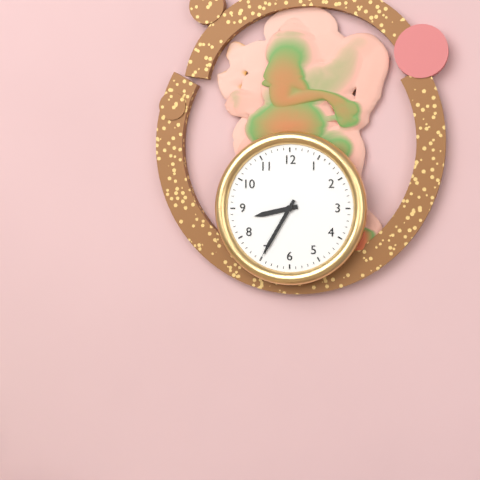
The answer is 8h35
